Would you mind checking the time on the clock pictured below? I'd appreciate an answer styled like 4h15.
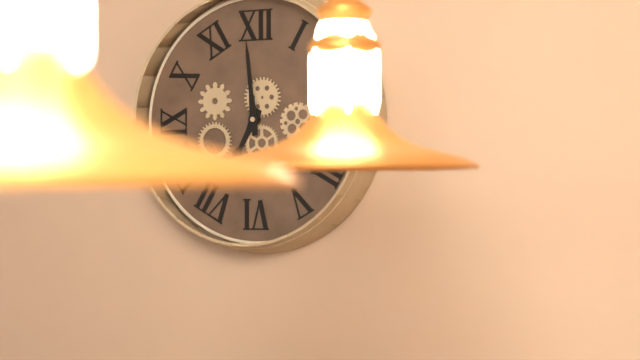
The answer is 6h59
